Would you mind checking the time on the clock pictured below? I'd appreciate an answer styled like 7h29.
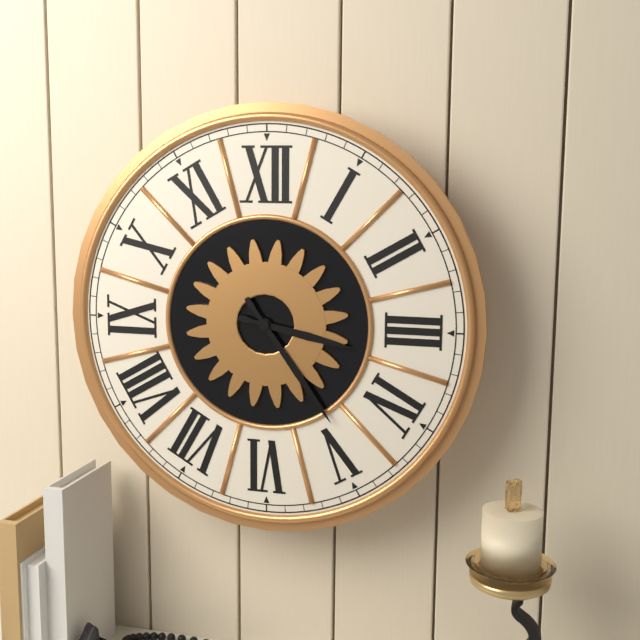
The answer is 3h24
